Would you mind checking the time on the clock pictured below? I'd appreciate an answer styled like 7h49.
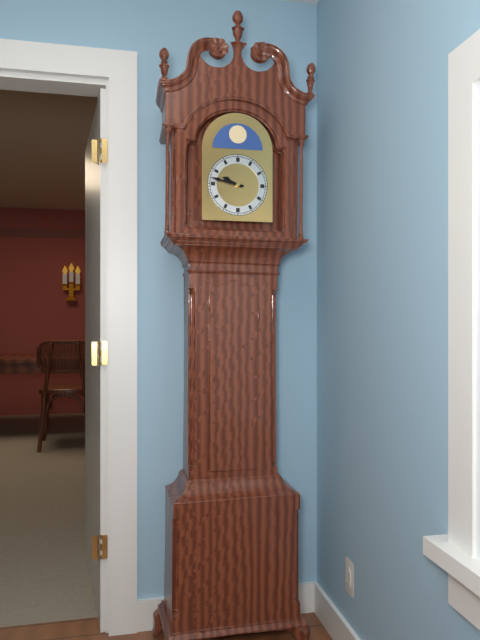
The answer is 9h47
